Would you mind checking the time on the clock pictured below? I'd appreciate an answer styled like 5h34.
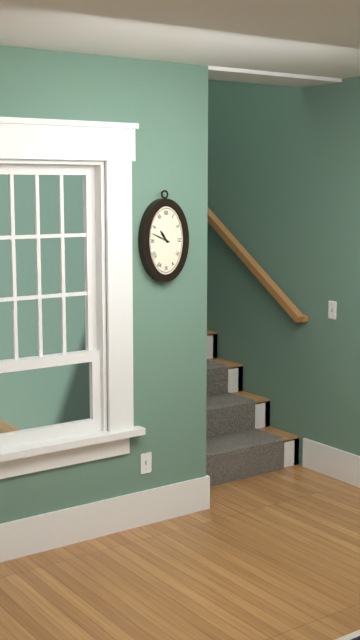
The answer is 10h49
